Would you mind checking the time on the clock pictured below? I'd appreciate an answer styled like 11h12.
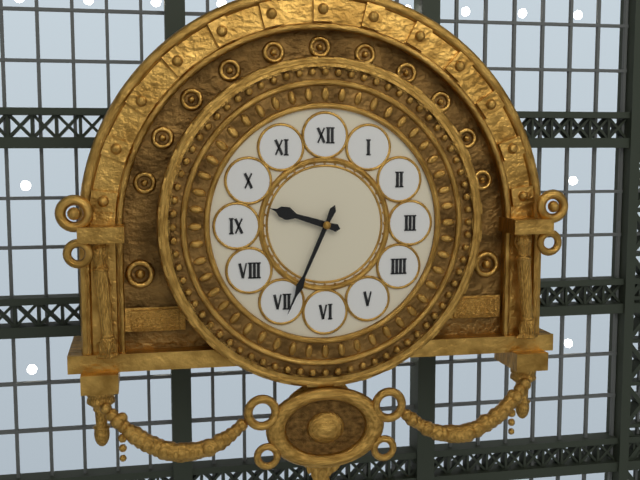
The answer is 9h34
